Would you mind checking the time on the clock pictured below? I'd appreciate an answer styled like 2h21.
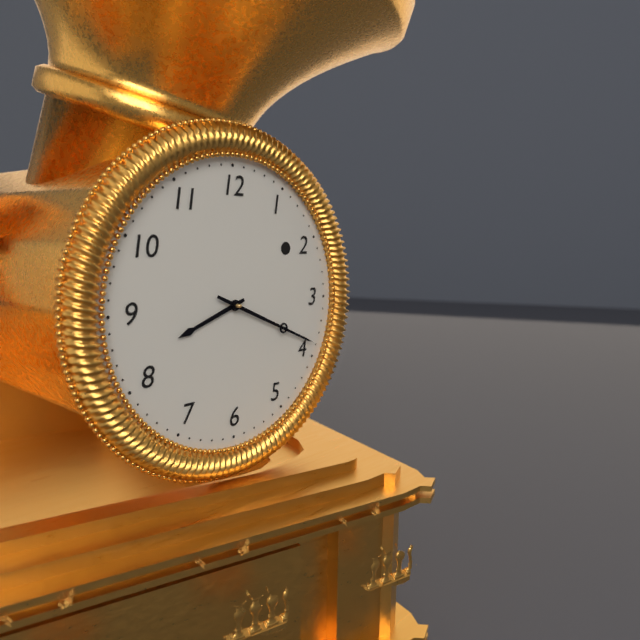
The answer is 8h19
